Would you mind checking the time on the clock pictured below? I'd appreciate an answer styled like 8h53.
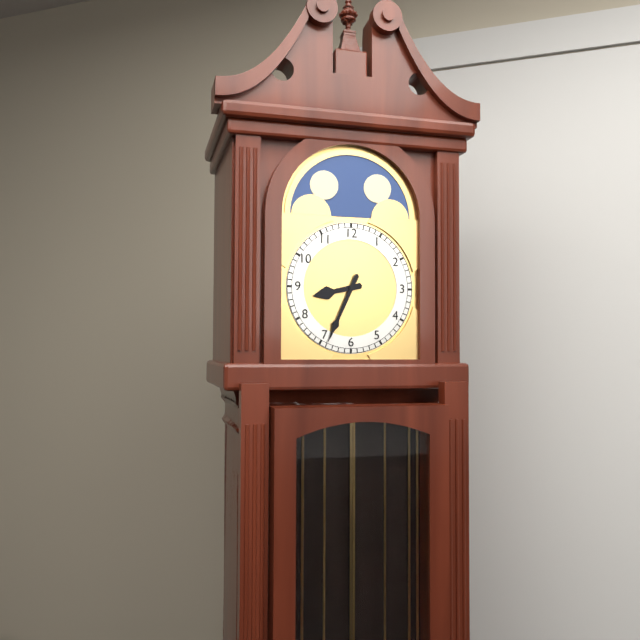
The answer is 8h34
